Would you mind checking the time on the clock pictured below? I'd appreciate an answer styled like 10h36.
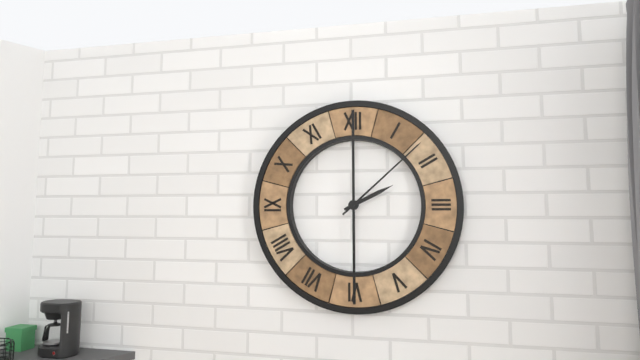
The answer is 2h08
